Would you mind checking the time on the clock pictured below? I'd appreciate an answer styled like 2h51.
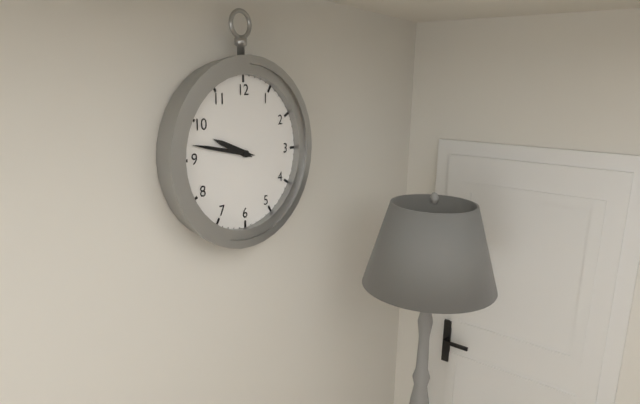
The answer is 9h47
